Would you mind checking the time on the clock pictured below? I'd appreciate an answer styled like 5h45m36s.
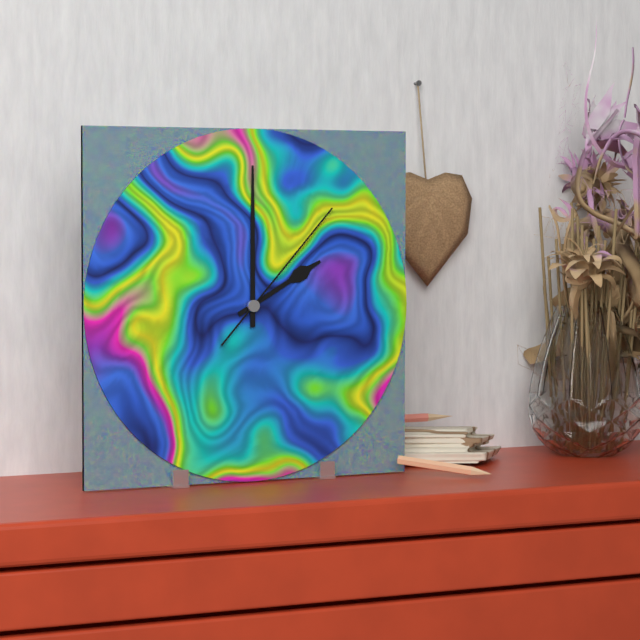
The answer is 2h00m07s
